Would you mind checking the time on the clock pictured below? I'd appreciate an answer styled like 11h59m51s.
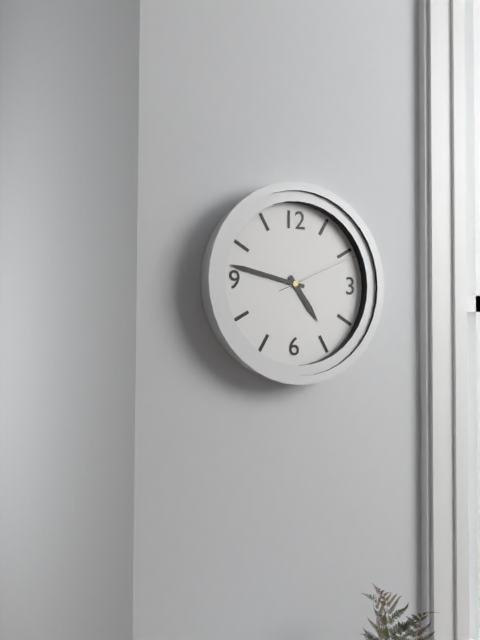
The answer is 4h47m11s
